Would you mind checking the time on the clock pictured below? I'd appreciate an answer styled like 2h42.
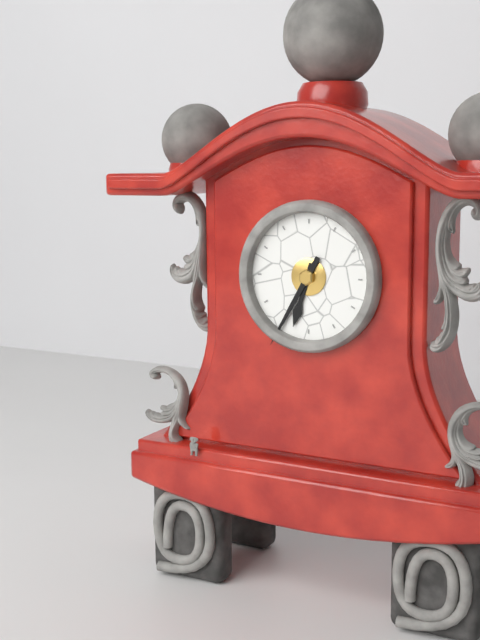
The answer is 6h35
